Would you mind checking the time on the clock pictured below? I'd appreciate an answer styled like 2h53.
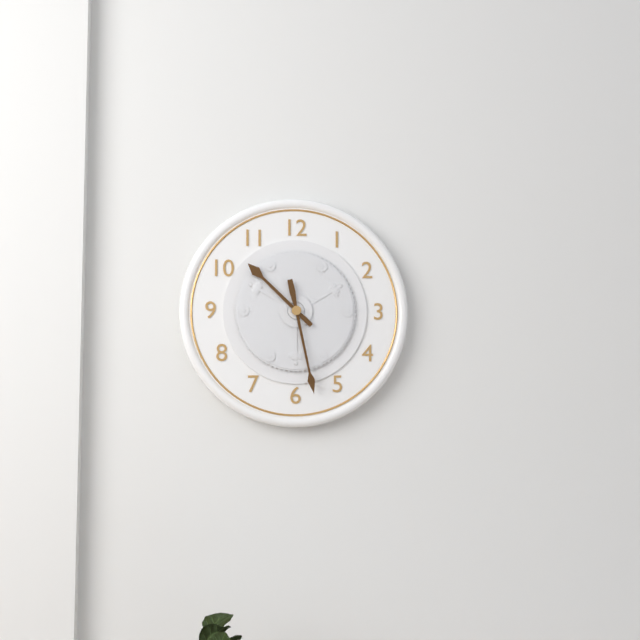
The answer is 10h28
